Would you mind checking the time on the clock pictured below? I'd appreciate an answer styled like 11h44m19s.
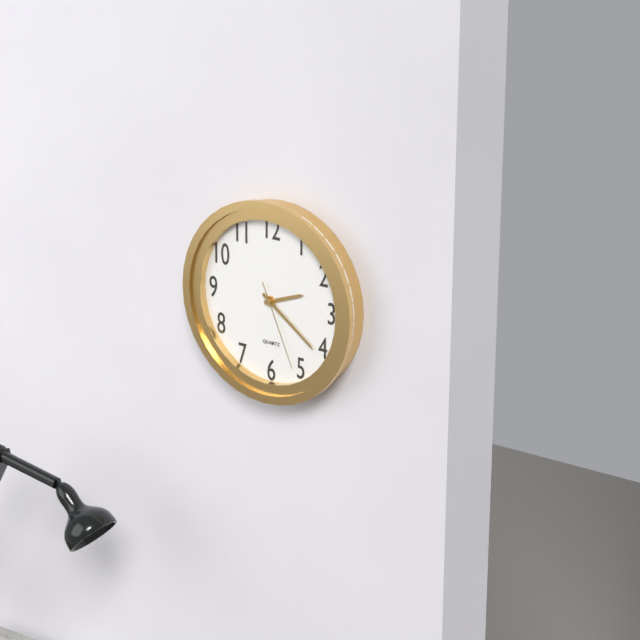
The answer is 2h21m26s
